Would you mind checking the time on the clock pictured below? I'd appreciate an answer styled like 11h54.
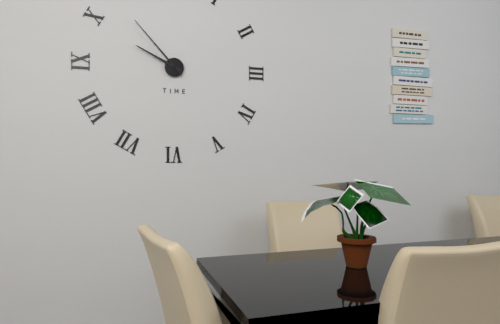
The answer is 9h53
